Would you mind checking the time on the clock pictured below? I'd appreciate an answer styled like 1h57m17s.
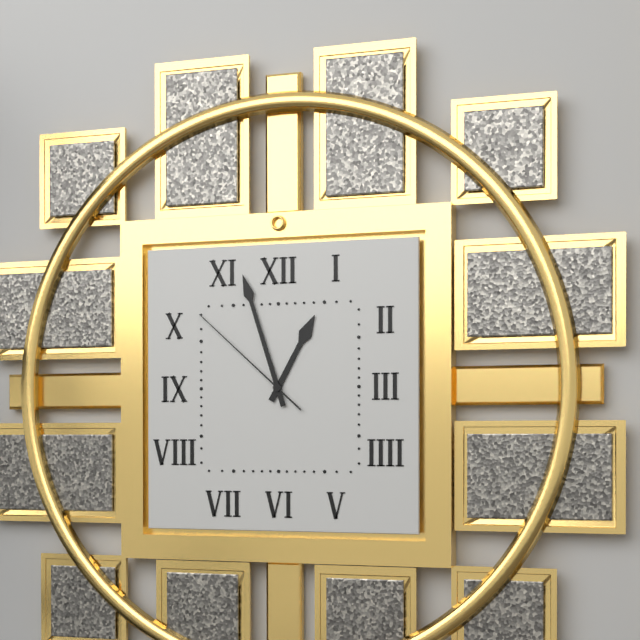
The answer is 12h57m52s
